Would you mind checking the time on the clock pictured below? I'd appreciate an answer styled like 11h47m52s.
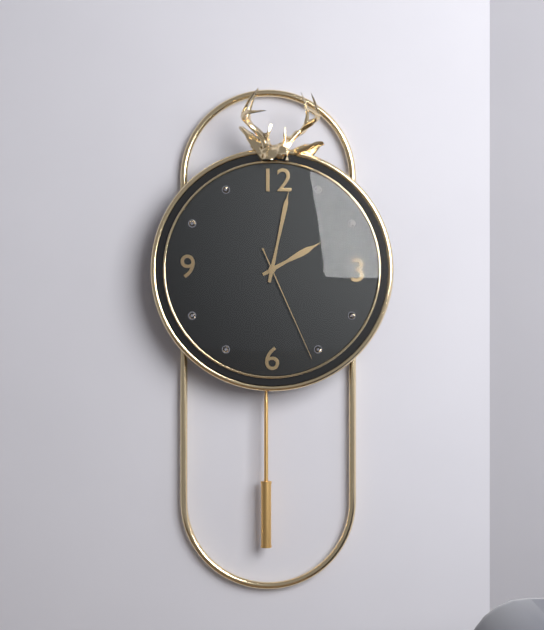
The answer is 2h02m26s
